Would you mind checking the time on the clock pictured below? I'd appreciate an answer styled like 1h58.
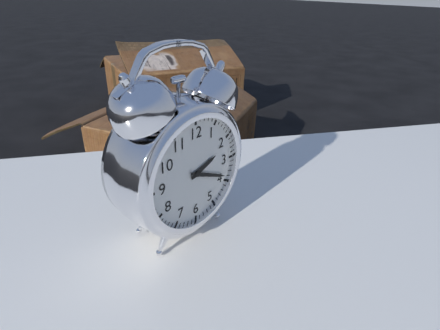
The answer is 2h19
